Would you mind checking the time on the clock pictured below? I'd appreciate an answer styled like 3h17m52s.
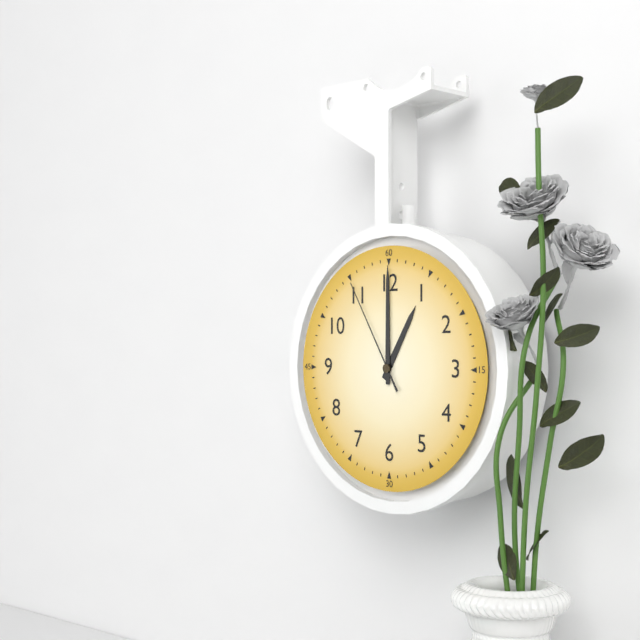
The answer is 1h00m55s
